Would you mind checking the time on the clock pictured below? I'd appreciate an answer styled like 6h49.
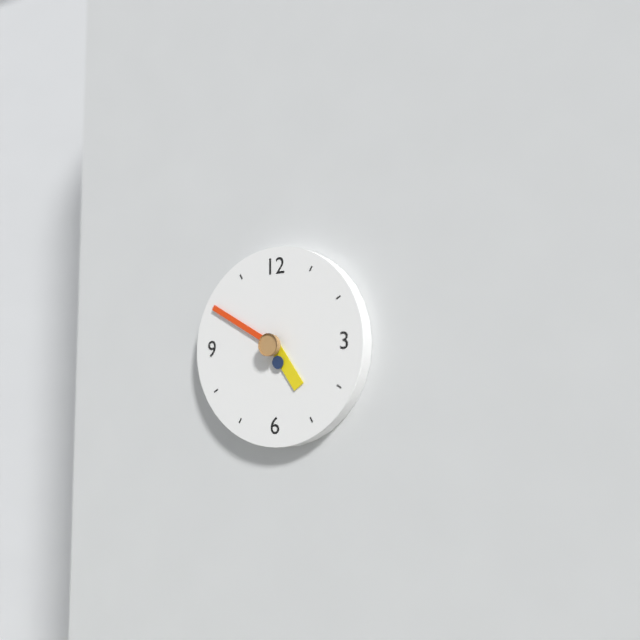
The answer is 4h50
